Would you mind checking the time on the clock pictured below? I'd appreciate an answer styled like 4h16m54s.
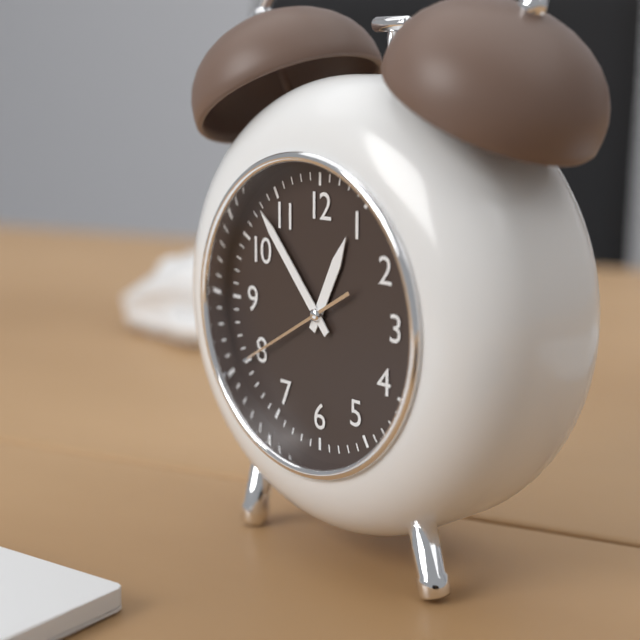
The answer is 12h53m40s
